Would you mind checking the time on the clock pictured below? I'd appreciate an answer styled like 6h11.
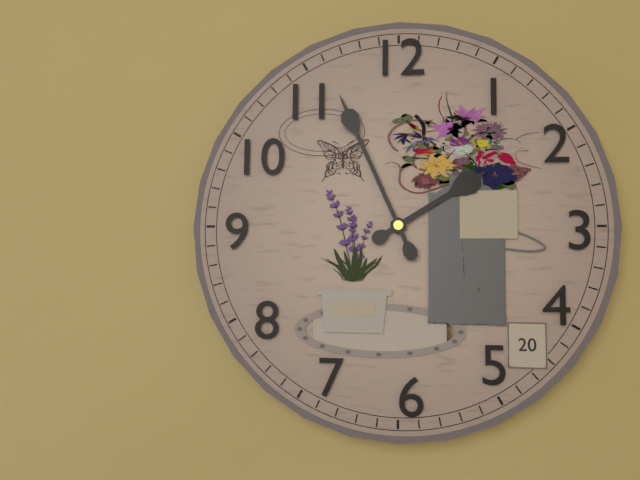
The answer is 1h56
